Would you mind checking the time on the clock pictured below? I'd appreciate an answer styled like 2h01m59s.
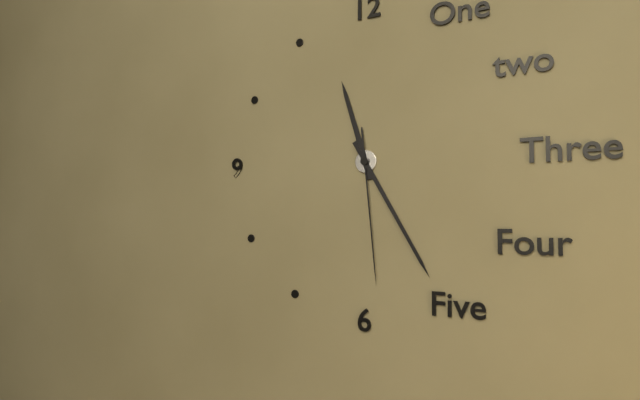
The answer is 11h25m29s
